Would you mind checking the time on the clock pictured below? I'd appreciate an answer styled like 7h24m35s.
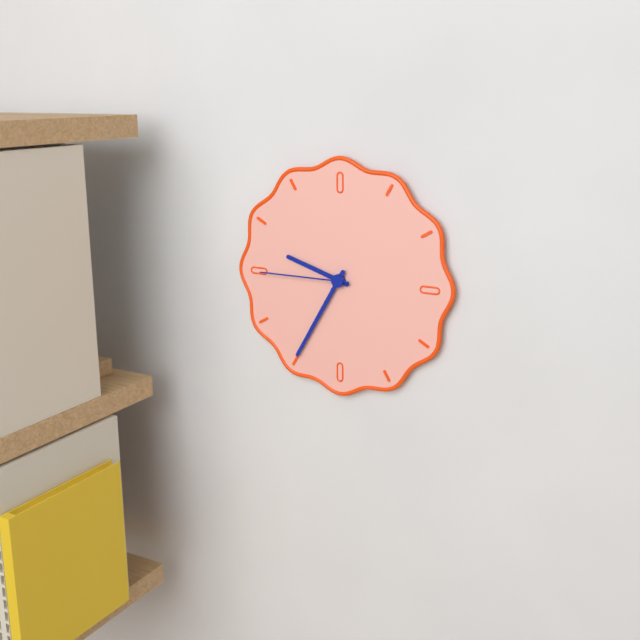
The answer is 9h35m45s
